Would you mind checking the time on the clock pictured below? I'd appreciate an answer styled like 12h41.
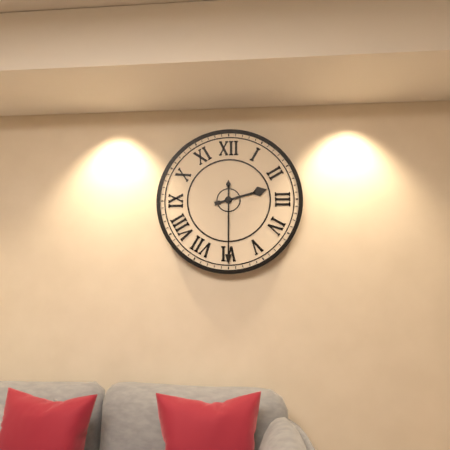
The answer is 2h30
